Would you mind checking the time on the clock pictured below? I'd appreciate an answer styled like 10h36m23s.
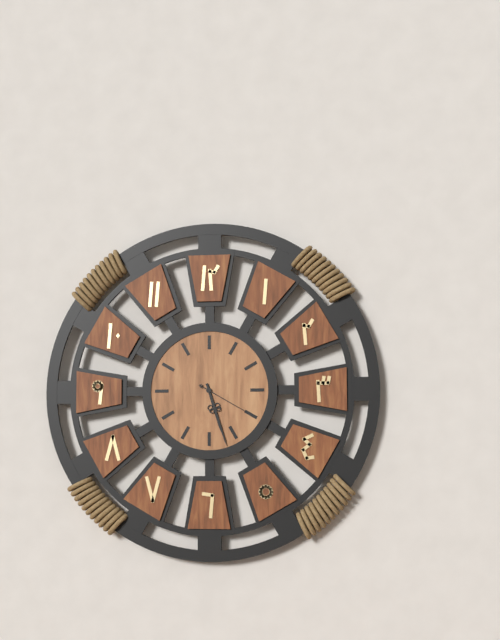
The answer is 5h27m20s
